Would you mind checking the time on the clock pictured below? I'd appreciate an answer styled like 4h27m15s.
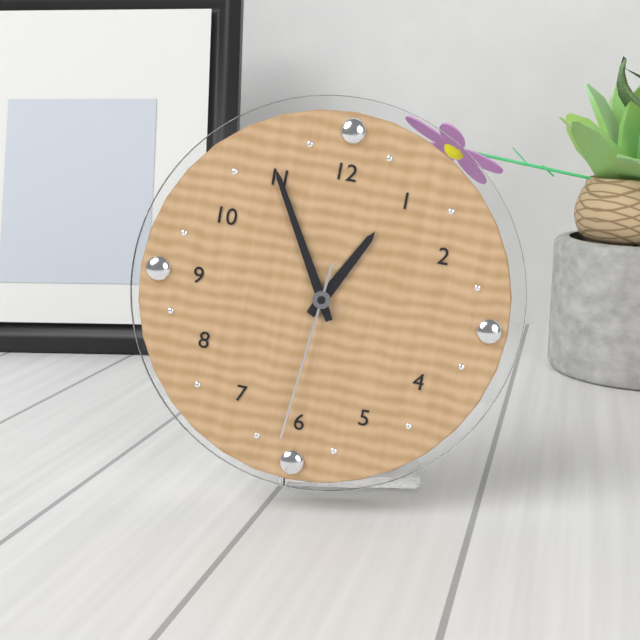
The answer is 12h55m31s
